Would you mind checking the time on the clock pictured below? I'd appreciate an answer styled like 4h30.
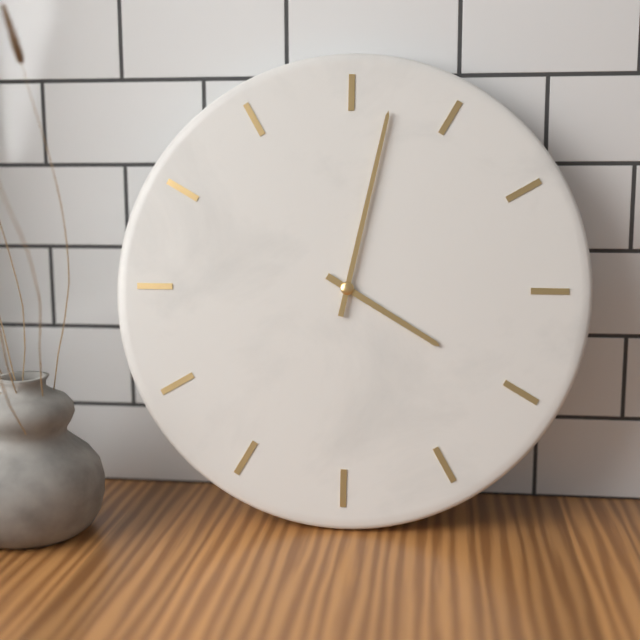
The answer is 4h02
